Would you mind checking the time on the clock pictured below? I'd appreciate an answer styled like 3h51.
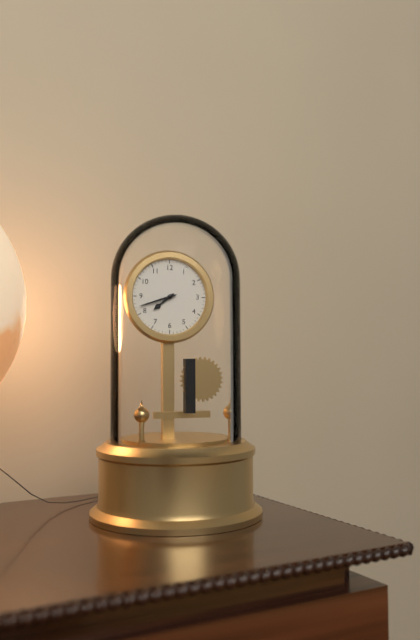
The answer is 7h42
